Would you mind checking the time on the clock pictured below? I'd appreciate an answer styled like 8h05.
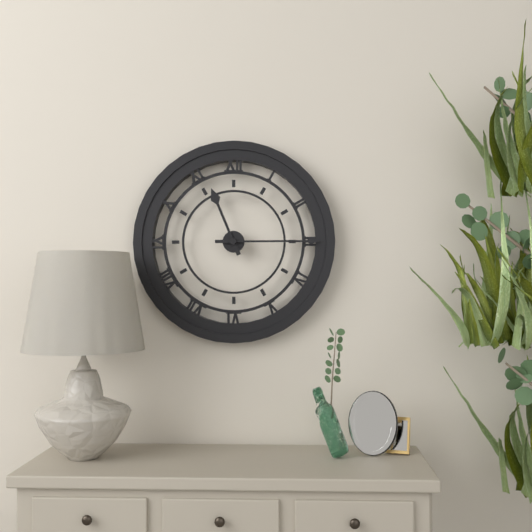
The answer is 11h15
